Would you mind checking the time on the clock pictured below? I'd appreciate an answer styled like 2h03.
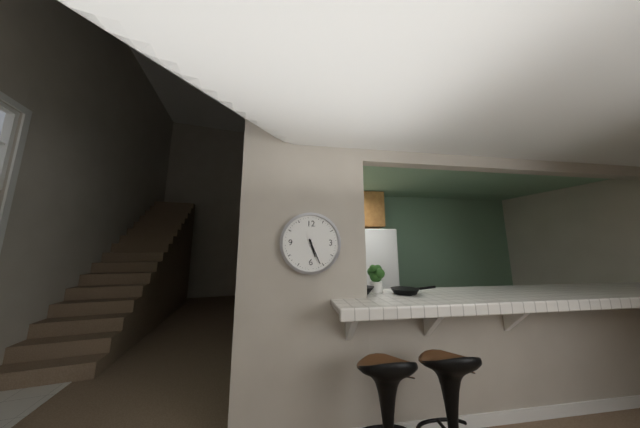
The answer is 5h26
